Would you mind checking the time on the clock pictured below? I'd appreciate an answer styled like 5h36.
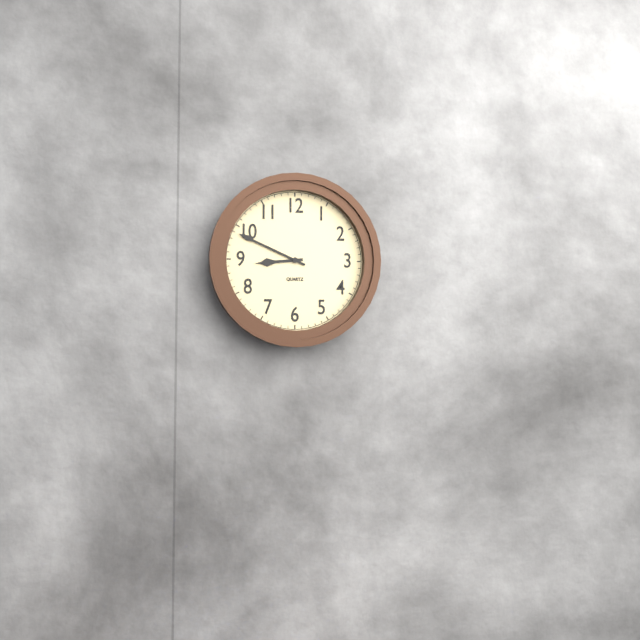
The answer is 8h49
